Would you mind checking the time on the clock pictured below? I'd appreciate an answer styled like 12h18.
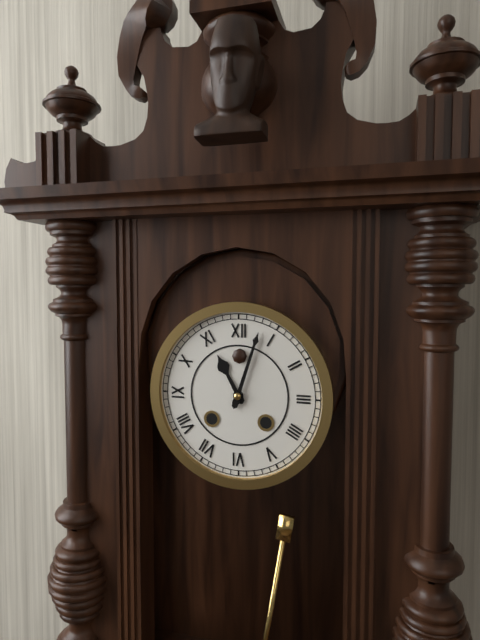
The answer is 11h03
